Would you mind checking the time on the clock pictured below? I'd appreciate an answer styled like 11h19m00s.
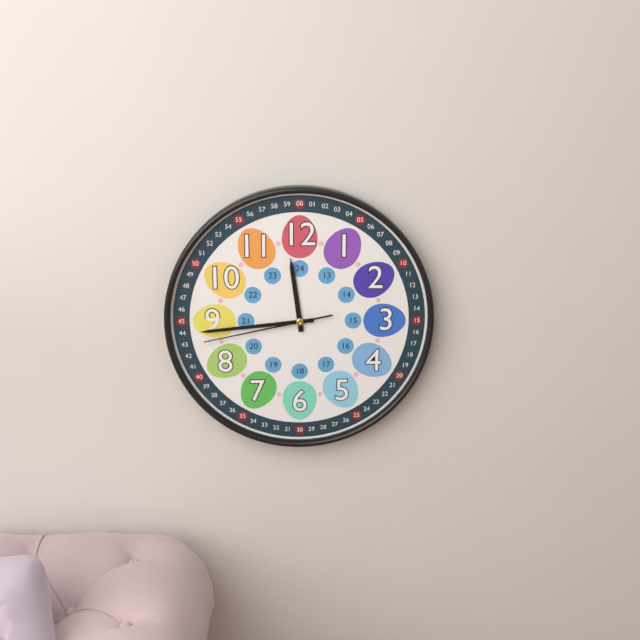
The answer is 11h44m43s
